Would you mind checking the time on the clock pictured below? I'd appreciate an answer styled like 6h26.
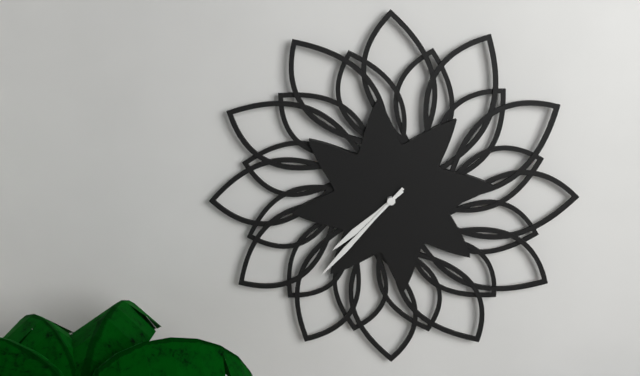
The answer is 7h37
